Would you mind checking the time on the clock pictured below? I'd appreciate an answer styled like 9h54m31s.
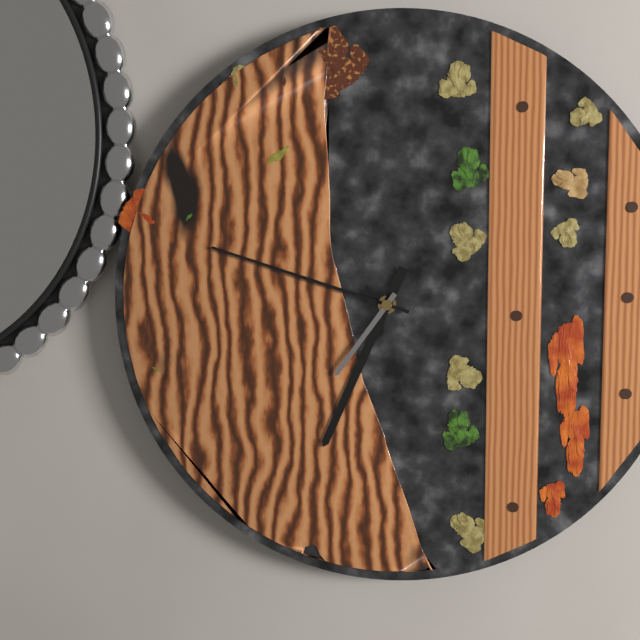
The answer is 6h48m36s
